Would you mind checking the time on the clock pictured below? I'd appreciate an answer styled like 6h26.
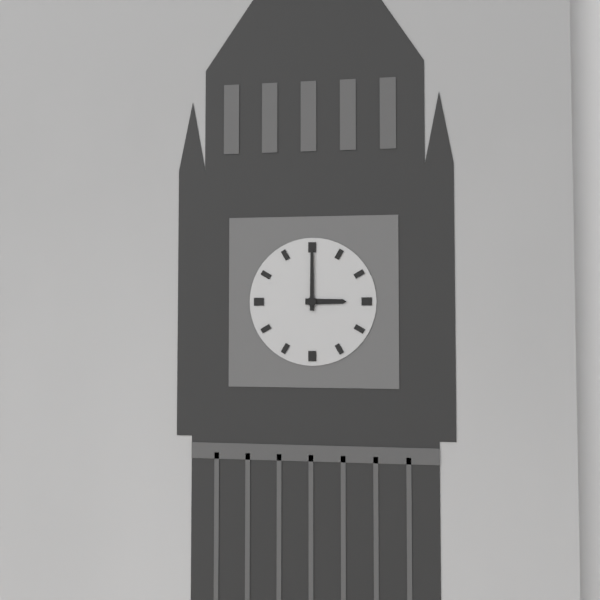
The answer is 3h00
